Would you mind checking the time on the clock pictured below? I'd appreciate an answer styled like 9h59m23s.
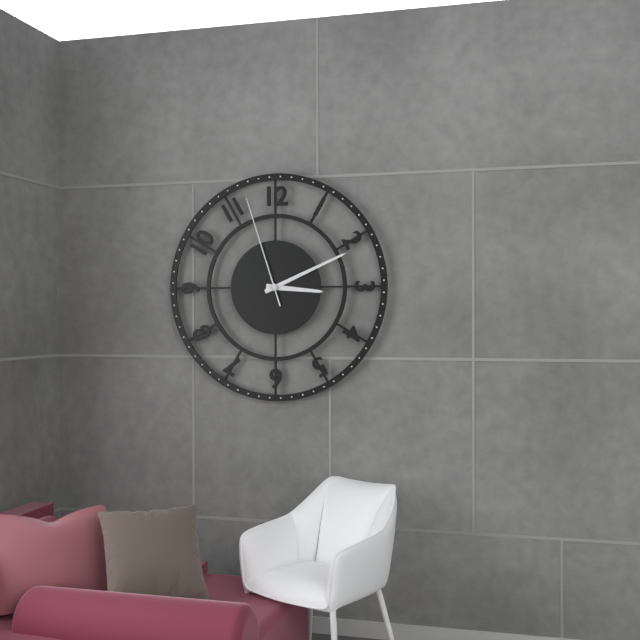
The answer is 3h11m57s
